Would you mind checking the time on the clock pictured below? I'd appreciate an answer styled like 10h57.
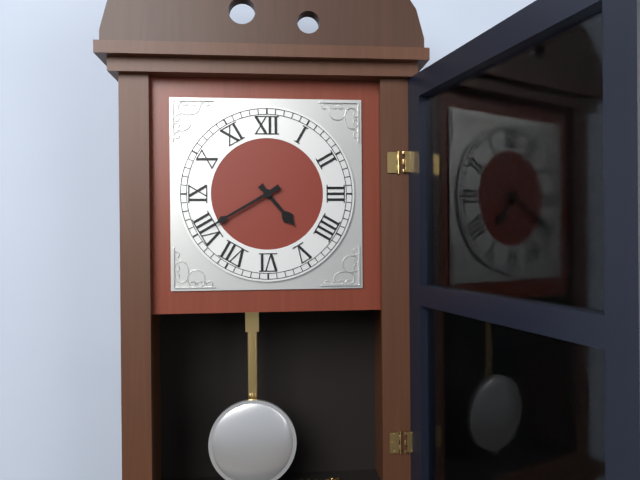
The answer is 4h40
